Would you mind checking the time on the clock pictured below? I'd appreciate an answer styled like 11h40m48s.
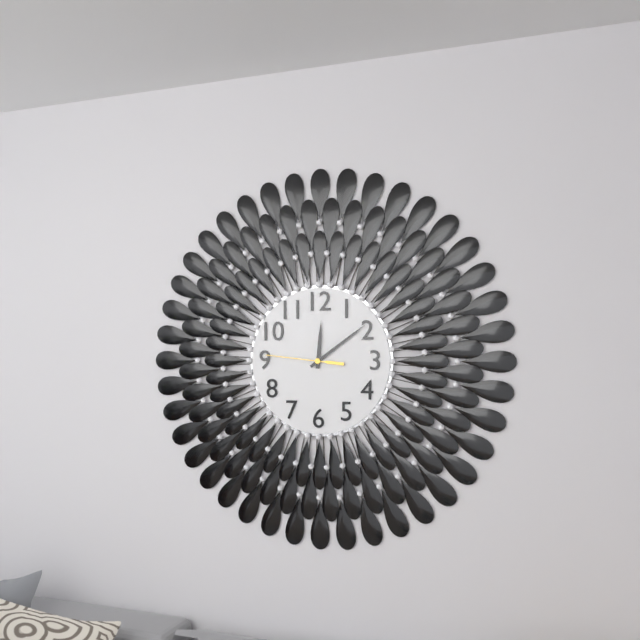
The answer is 12h09m46s
